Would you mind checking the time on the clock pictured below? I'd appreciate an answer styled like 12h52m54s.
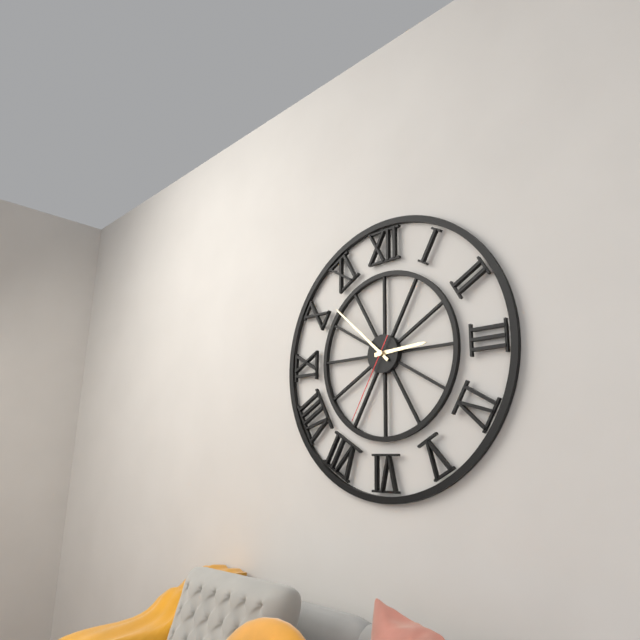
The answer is 2h52m35s
